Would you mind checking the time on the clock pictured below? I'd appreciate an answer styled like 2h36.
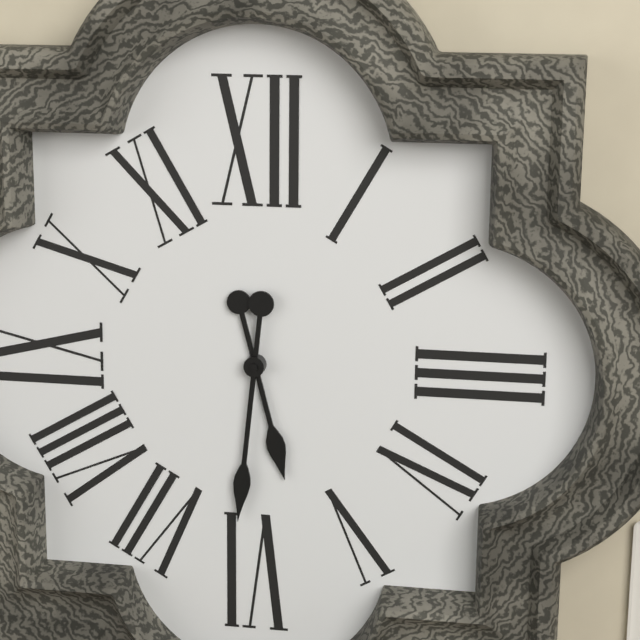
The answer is 5h31
